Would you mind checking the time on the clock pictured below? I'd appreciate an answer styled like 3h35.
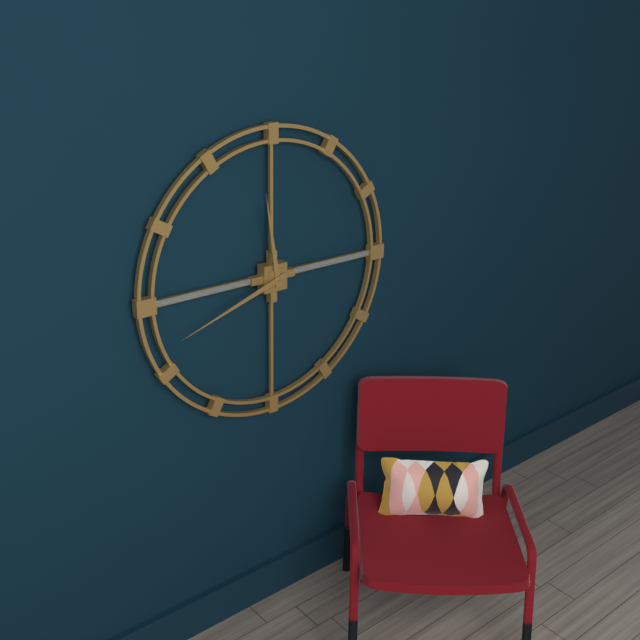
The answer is 11h42
